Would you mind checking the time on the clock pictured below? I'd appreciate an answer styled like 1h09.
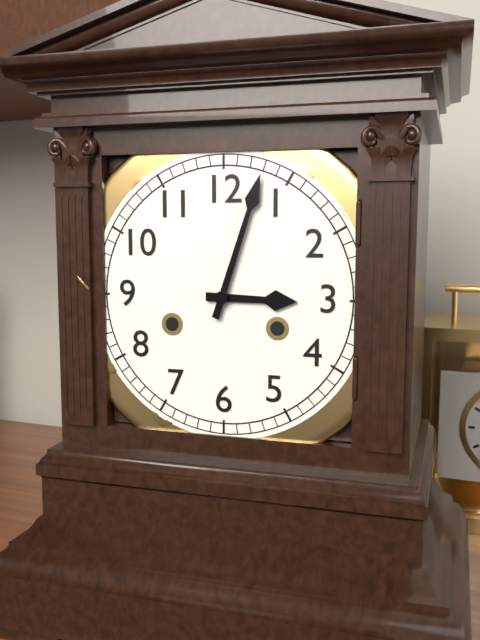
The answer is 3h03
